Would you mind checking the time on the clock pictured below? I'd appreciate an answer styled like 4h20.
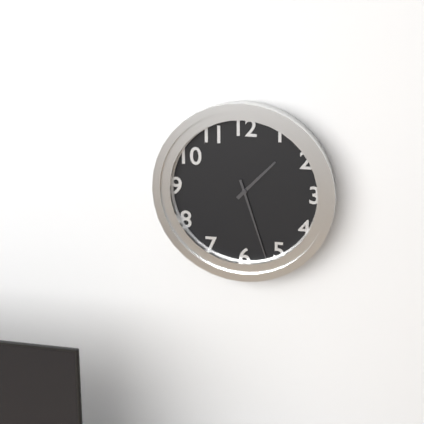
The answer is 1h27
